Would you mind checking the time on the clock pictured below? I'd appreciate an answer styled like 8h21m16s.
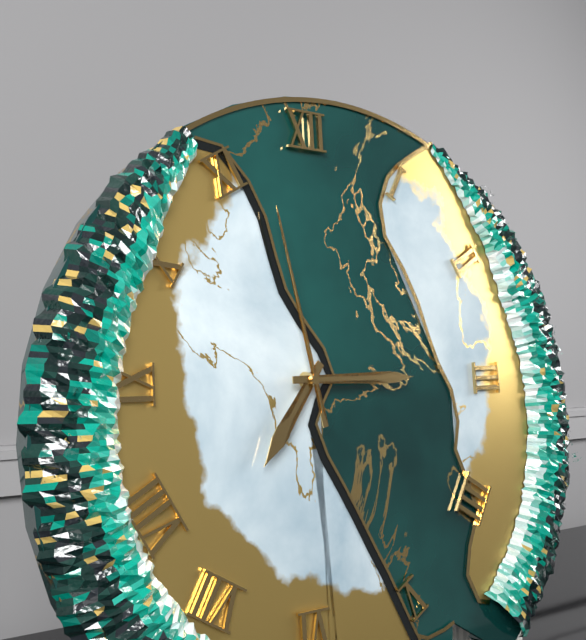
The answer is 7h15m58s
